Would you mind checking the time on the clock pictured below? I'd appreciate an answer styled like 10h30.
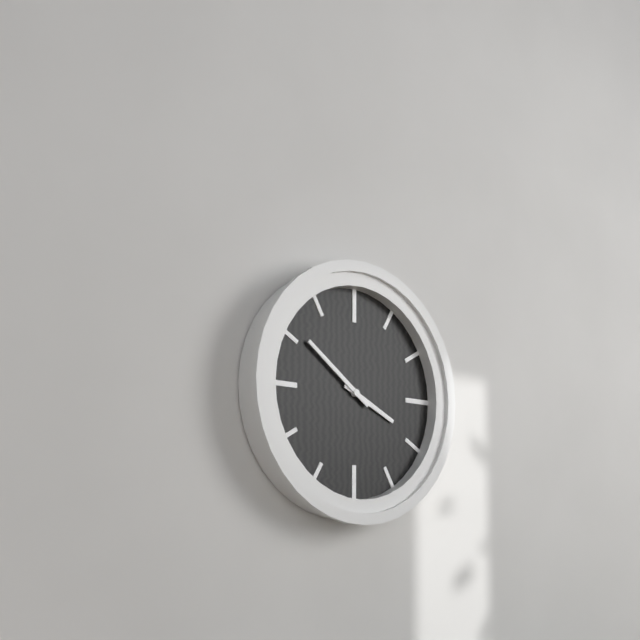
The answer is 3h51
